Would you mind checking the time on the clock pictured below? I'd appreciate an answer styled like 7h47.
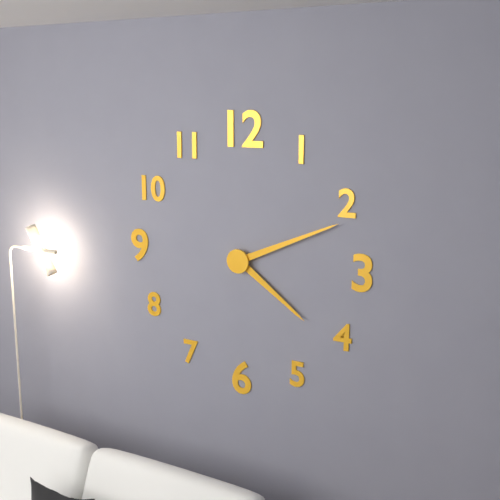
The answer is 4h11
